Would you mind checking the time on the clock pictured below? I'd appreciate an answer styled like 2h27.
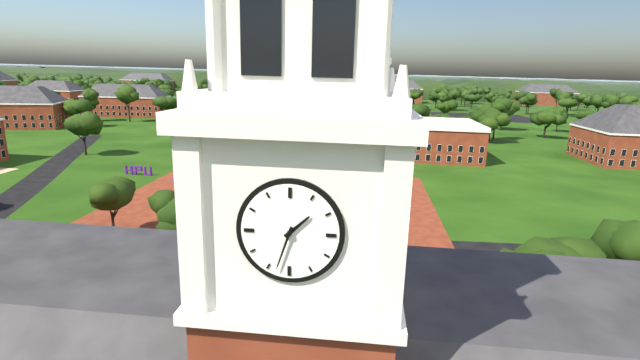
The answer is 1h33
